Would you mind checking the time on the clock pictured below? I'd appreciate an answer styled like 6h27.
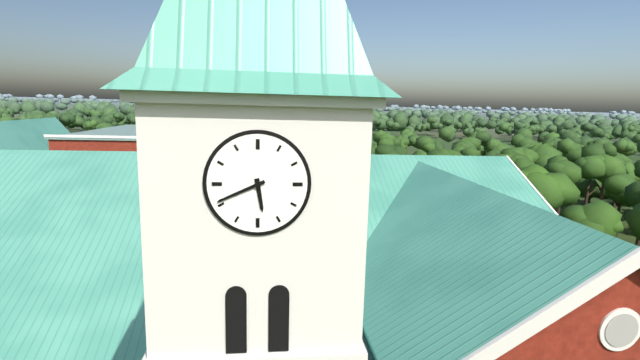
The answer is 5h41
